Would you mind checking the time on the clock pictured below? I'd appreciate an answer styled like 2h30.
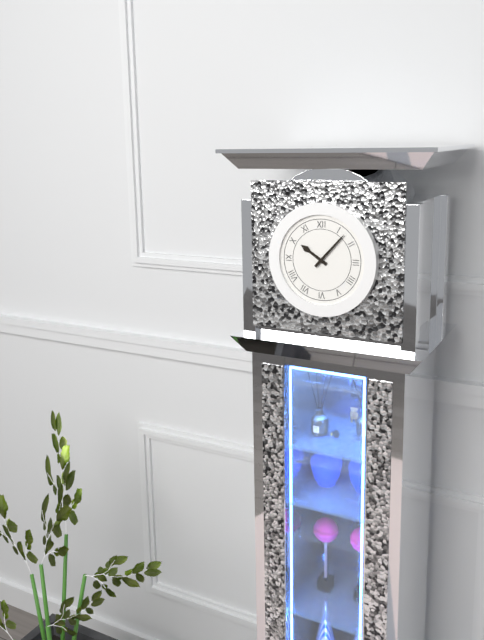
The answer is 10h07
